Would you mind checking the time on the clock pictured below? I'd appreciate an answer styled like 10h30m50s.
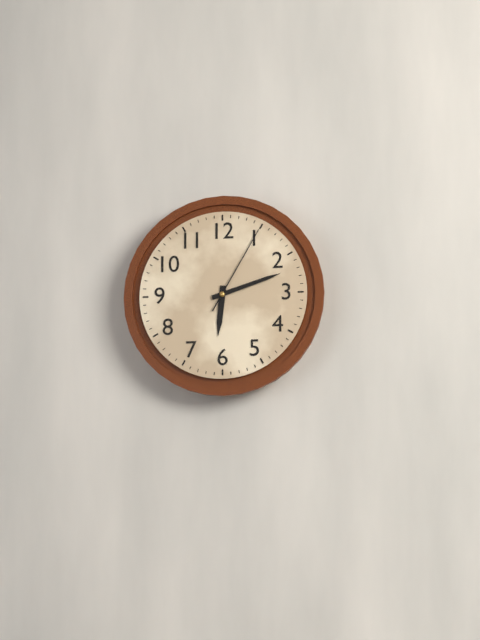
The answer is 6h12m05s
